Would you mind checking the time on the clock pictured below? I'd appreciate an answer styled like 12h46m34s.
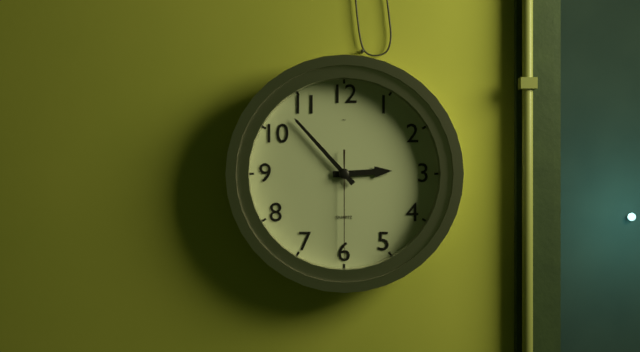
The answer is 2h53m30s
